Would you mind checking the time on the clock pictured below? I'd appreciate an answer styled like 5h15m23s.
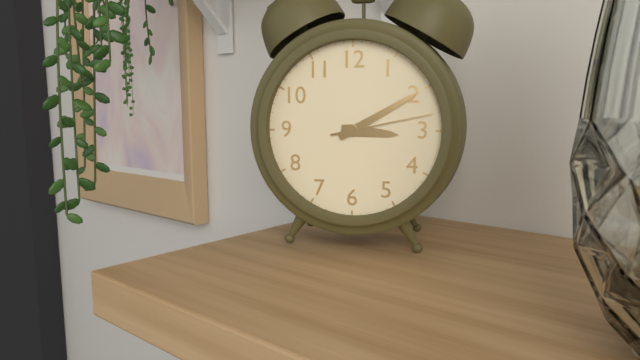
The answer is 3h10m13s
